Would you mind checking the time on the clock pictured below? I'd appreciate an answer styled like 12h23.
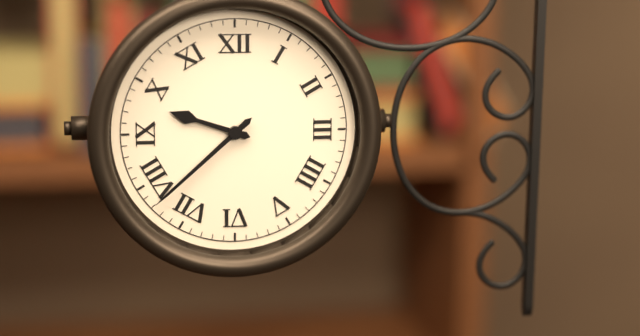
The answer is 9h38
